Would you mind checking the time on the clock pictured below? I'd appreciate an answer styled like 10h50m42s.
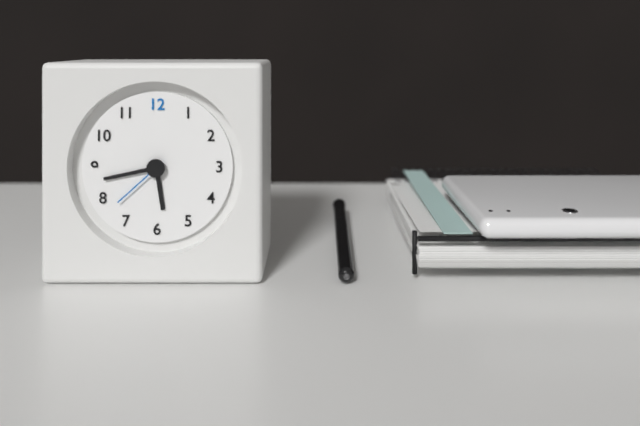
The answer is 5h43m38s
